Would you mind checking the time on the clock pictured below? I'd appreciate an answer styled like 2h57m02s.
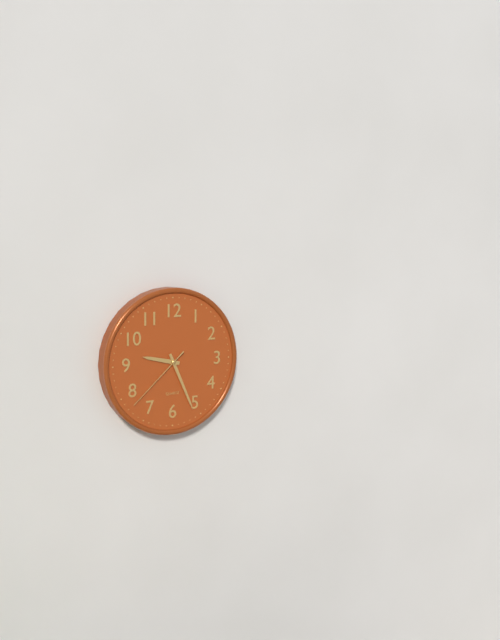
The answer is 9h26m38s
